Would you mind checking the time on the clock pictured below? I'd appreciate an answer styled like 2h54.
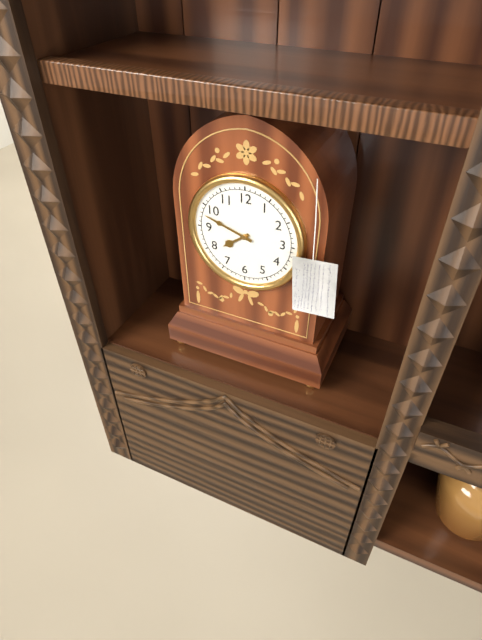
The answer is 7h48
